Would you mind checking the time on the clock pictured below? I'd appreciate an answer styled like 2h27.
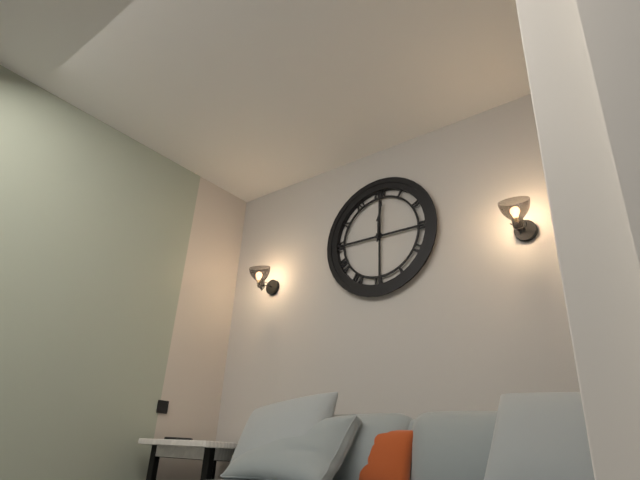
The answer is 12h01
